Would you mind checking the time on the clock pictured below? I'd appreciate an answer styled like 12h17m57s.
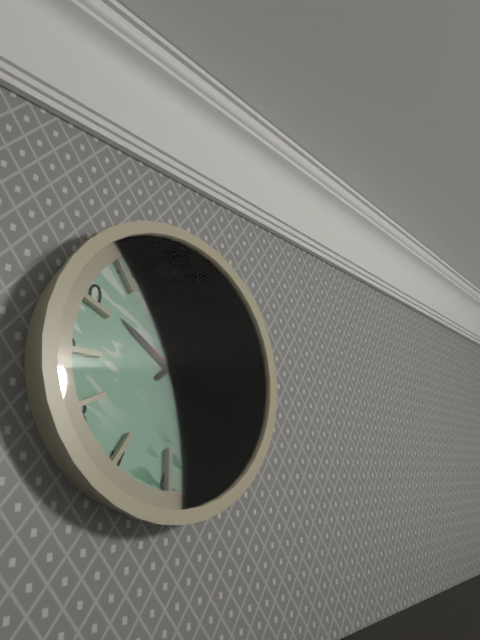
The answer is 10h08m21s
